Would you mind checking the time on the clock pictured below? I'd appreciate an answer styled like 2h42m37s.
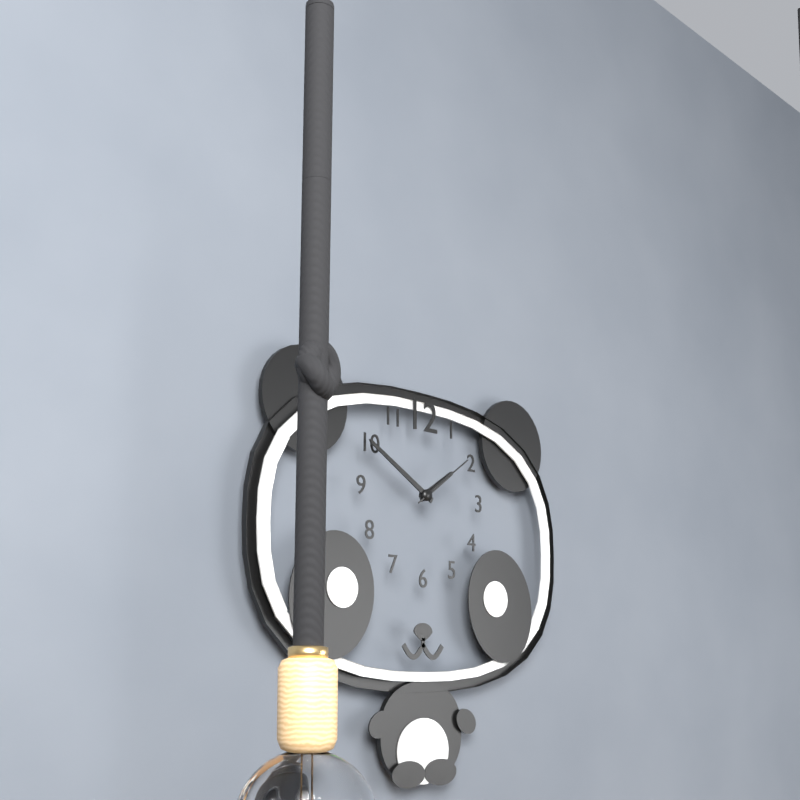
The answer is 1h50m09s
